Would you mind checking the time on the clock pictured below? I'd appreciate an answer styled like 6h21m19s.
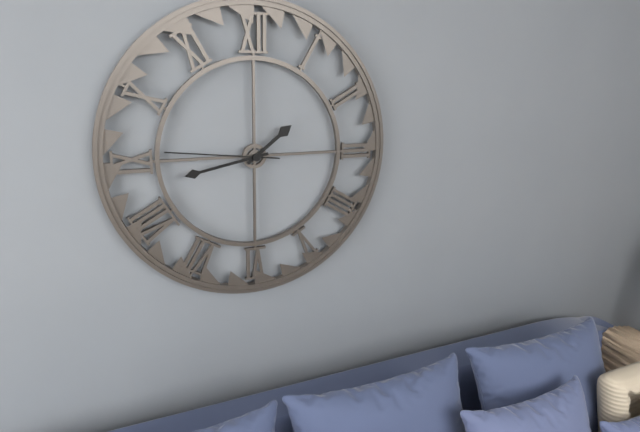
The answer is 1h43m46s
